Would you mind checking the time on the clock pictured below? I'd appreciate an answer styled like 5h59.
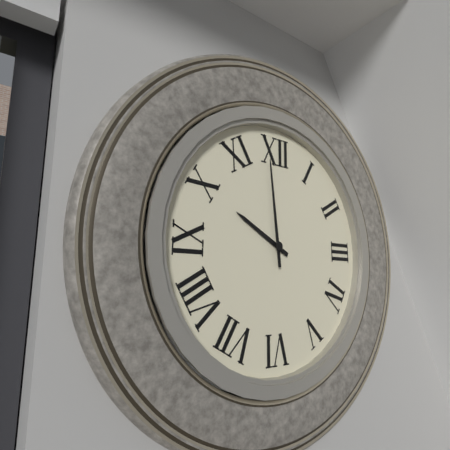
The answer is 9h59
